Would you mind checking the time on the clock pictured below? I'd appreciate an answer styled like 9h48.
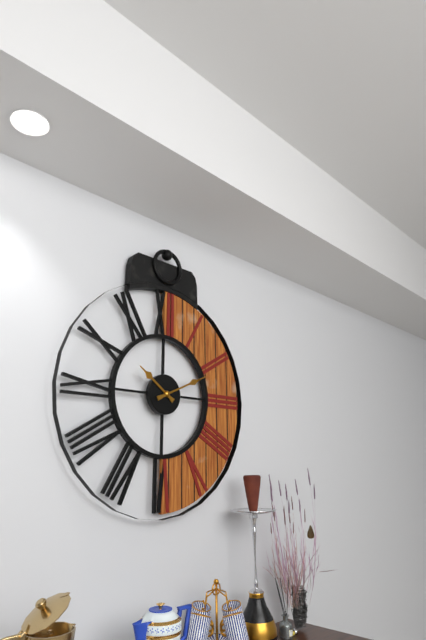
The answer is 10h11
